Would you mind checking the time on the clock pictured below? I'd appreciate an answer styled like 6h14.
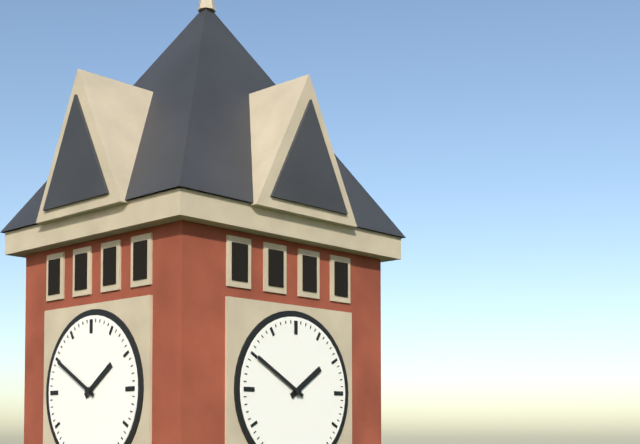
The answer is 1h50
